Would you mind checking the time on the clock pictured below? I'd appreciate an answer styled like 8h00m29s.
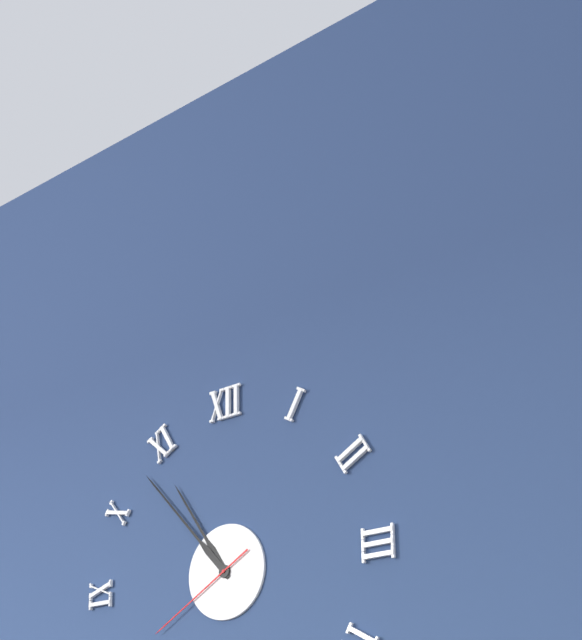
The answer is 10h53m40s
